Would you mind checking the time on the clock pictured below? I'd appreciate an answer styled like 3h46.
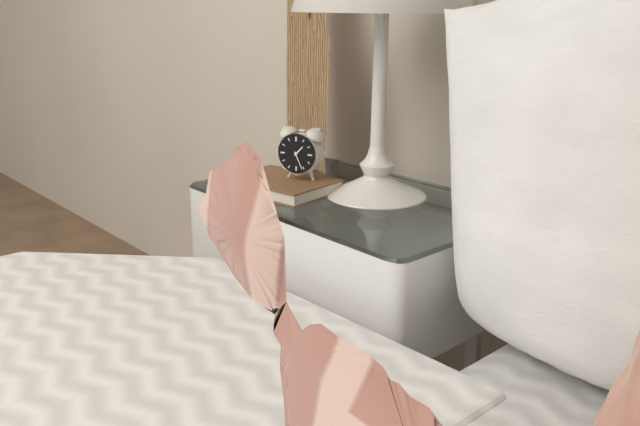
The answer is 1h26
